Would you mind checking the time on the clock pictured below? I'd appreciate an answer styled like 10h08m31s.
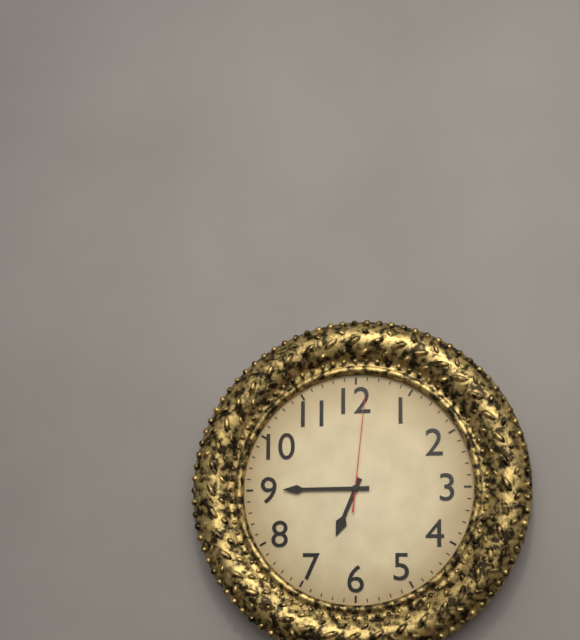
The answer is 6h45m01s
